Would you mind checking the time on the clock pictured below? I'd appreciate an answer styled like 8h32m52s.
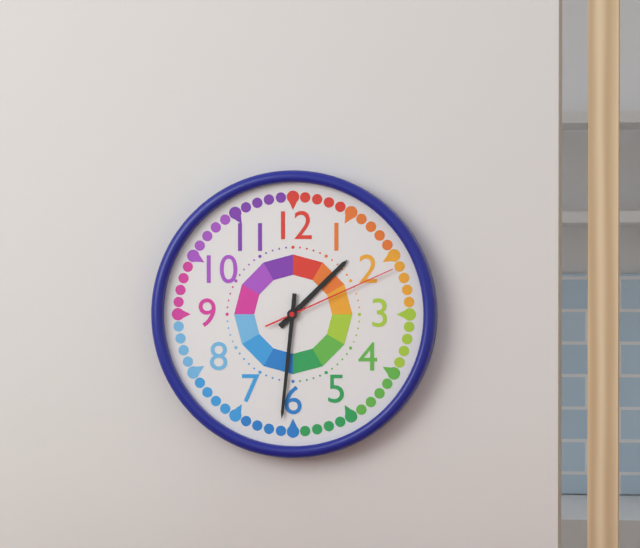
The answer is 1h31m11s
